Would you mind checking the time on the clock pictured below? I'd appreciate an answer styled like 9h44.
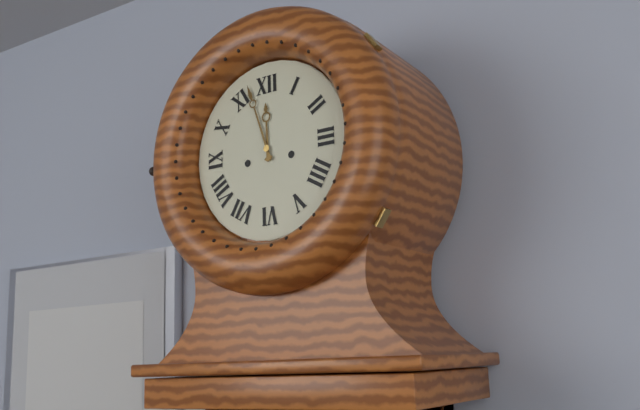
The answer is 11h57
